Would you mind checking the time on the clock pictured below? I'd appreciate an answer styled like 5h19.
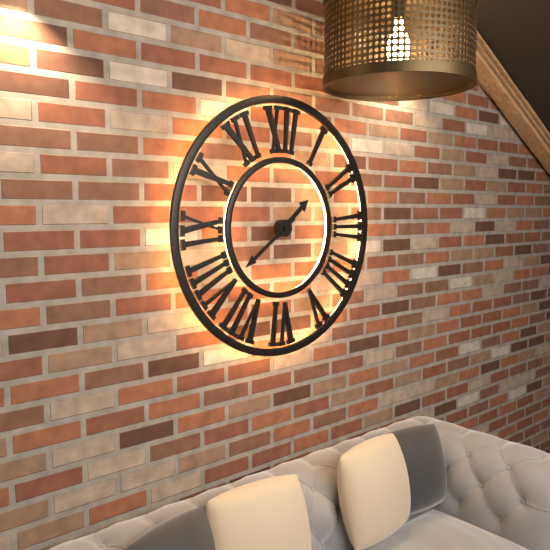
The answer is 1h39
